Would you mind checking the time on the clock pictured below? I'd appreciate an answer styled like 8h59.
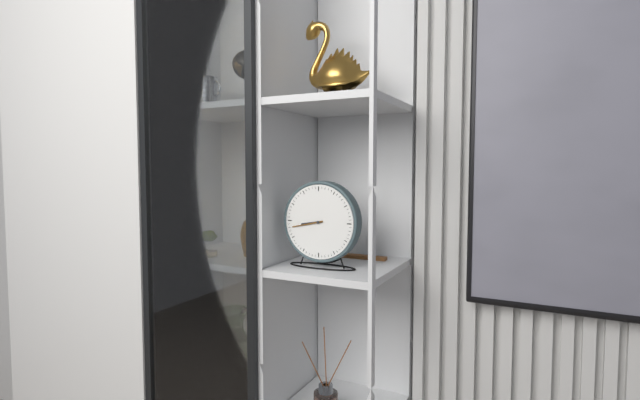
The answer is 8h43
